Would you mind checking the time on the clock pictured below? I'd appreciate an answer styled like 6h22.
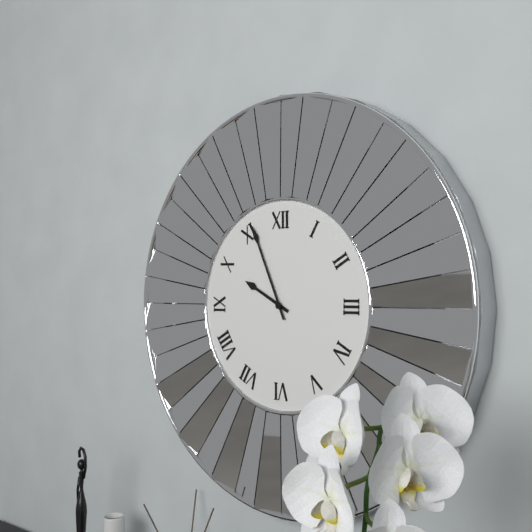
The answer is 9h56
